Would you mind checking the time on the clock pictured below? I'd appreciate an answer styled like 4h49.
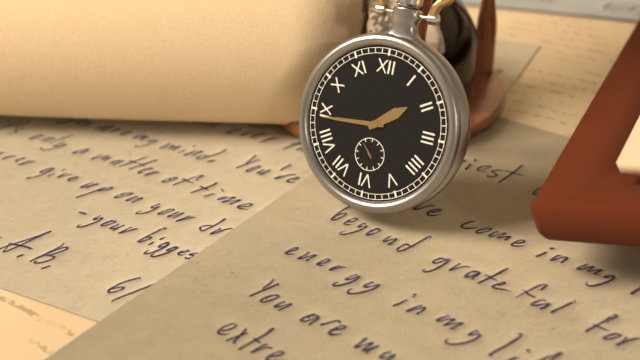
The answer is 1h44
